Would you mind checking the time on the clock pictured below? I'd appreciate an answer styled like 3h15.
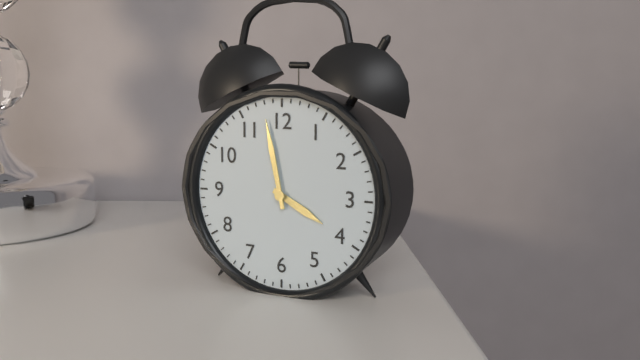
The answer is 3h58
